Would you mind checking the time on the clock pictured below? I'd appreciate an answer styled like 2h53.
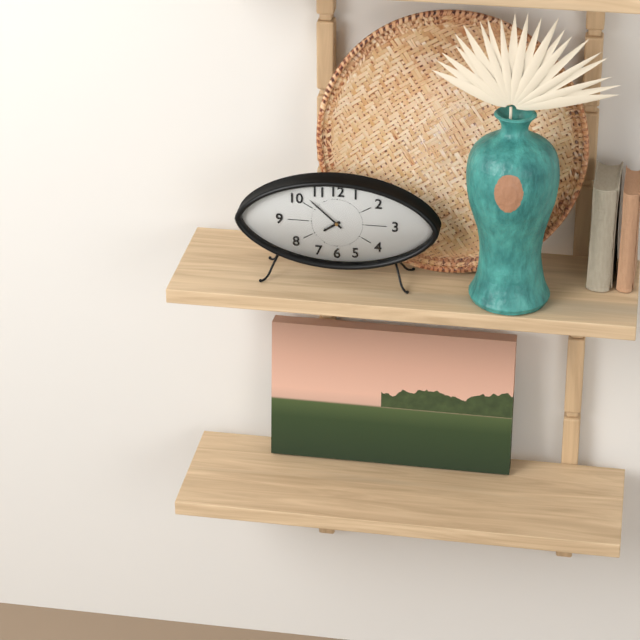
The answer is 7h52
